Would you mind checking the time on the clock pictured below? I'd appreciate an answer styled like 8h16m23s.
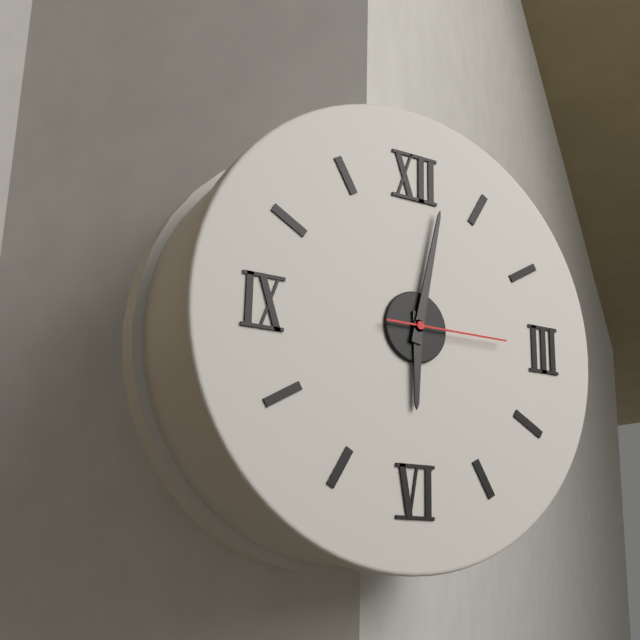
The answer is 6h02m15s
